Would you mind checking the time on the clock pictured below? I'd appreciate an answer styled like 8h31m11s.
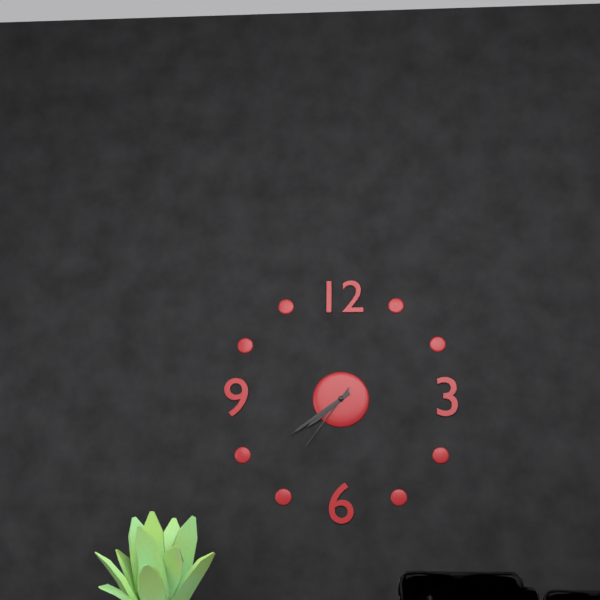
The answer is 7h39m36s
